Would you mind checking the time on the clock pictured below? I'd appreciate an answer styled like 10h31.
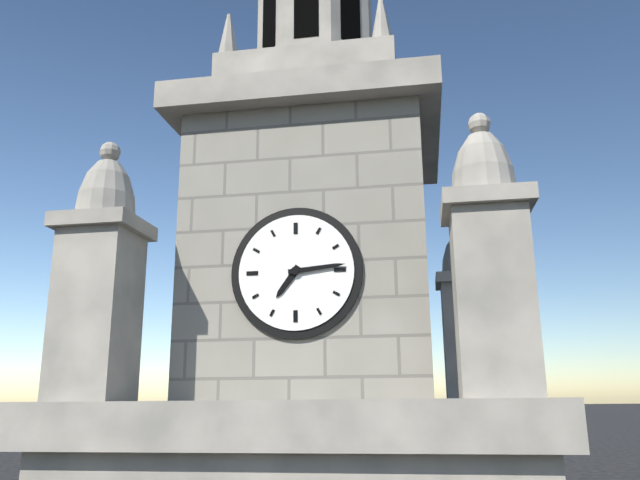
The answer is 7h14
